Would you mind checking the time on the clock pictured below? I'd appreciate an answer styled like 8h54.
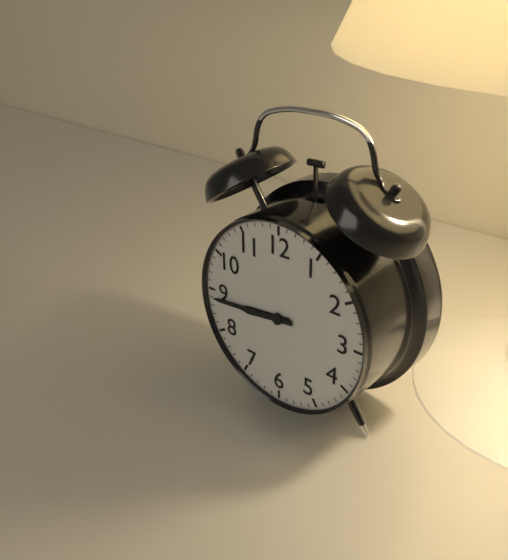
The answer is 8h44
